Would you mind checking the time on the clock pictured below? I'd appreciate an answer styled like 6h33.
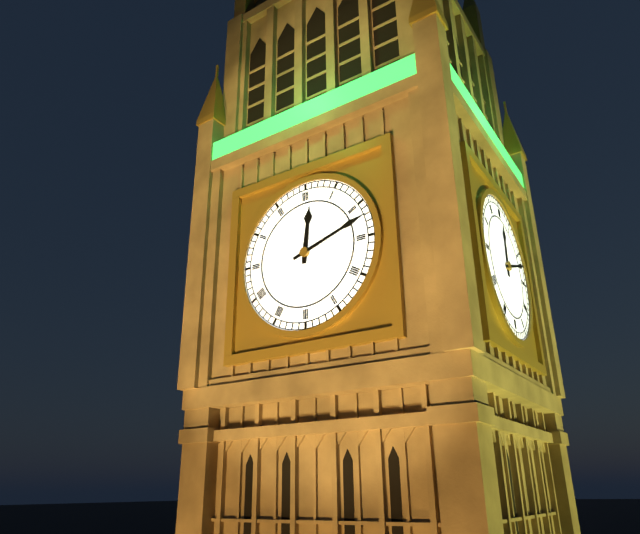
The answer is 12h12
